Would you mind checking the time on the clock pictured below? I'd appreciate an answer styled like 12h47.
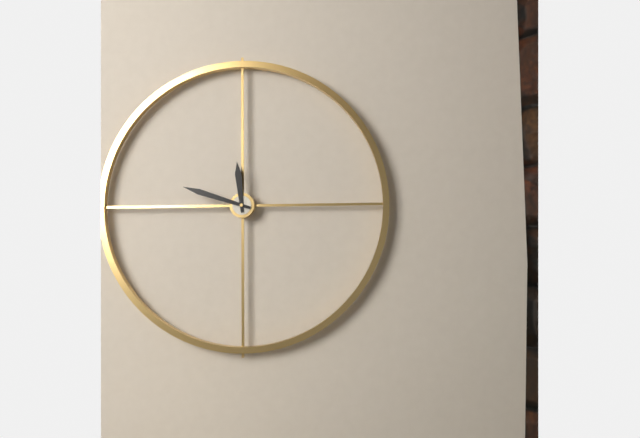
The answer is 11h48
